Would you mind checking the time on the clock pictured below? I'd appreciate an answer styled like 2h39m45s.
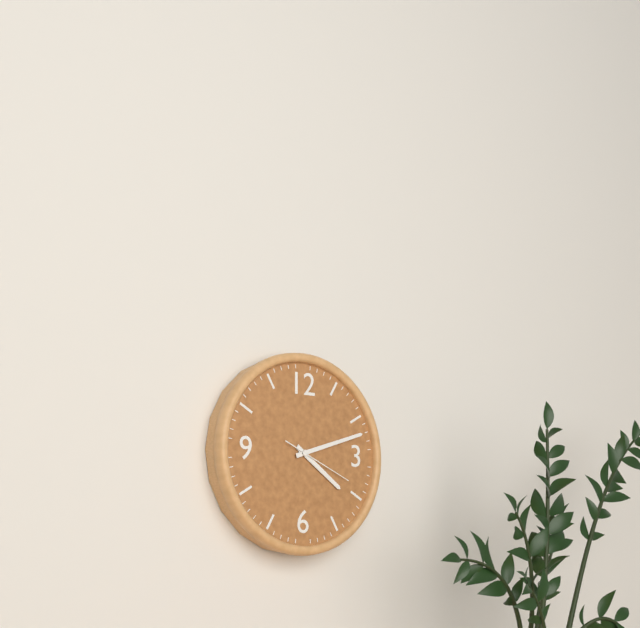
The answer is 4h12m19s
